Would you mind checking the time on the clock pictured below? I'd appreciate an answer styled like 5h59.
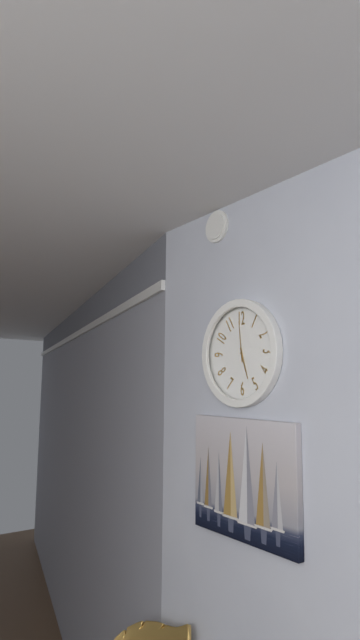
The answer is 5h27
